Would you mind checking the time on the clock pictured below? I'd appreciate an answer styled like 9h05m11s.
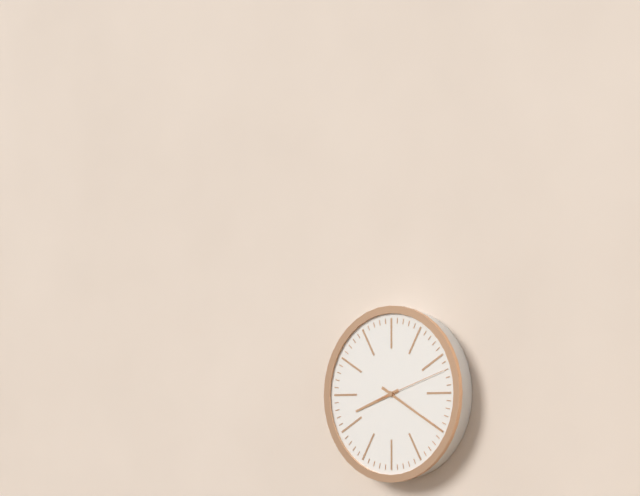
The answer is 8h20m12s
